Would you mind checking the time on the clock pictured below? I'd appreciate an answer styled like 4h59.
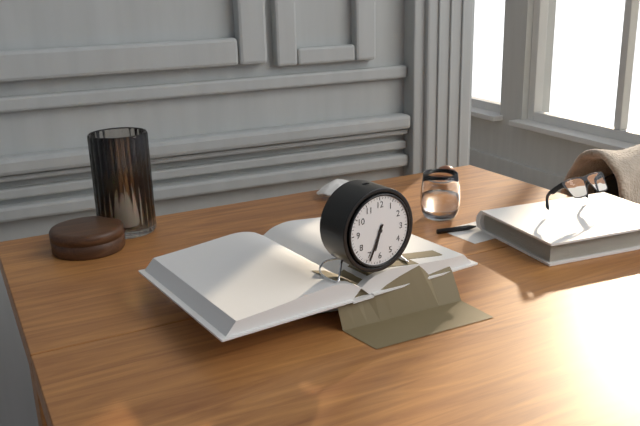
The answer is 6h34
